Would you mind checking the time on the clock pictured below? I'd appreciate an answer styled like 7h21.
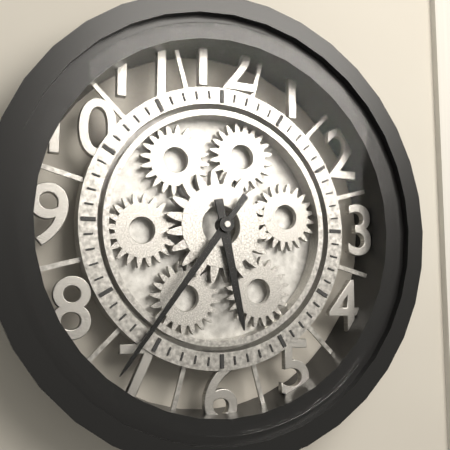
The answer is 5h36
